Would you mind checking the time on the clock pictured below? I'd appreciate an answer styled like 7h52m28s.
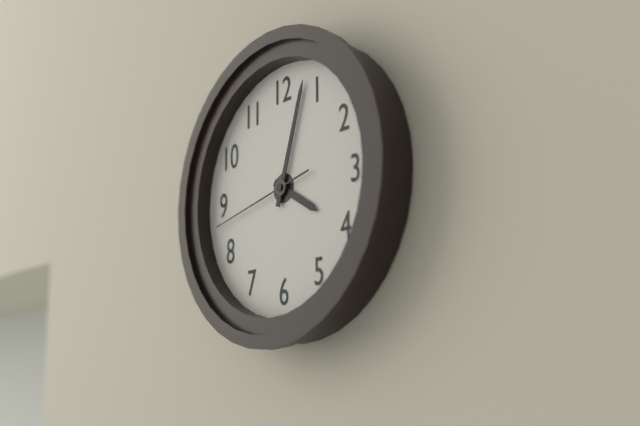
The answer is 4h03m43s
